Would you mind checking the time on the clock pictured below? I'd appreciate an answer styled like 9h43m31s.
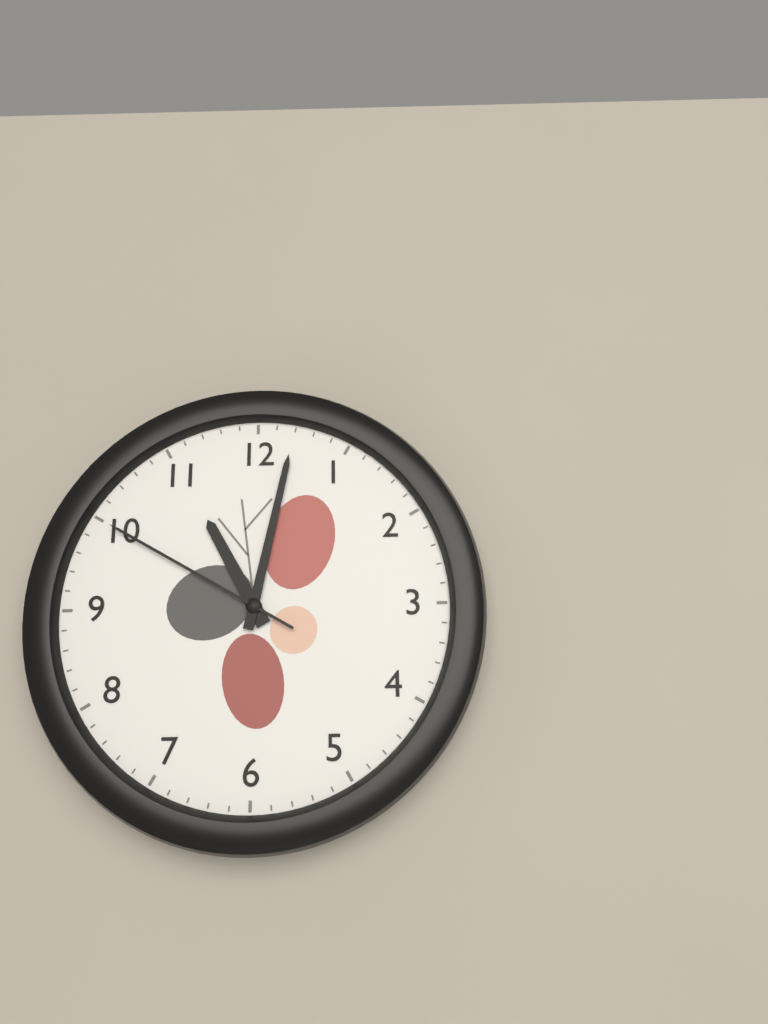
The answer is 11h02m50s
